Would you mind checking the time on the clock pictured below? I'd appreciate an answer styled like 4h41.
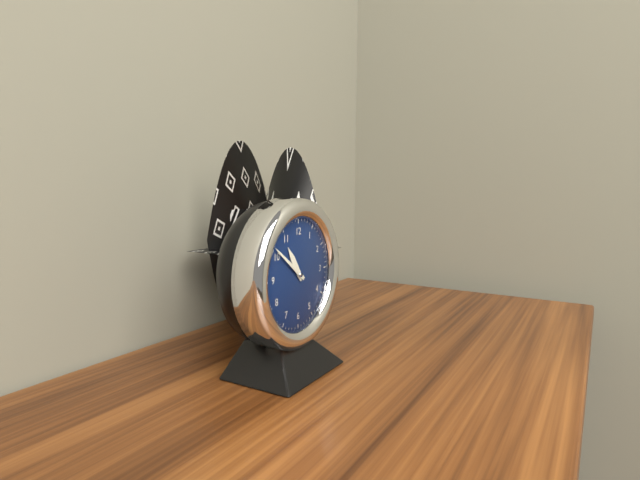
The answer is 10h51
